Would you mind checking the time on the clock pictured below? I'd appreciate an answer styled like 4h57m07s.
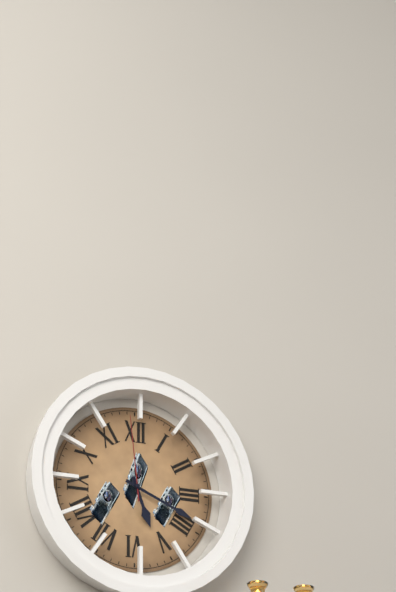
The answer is 5h19m59s
